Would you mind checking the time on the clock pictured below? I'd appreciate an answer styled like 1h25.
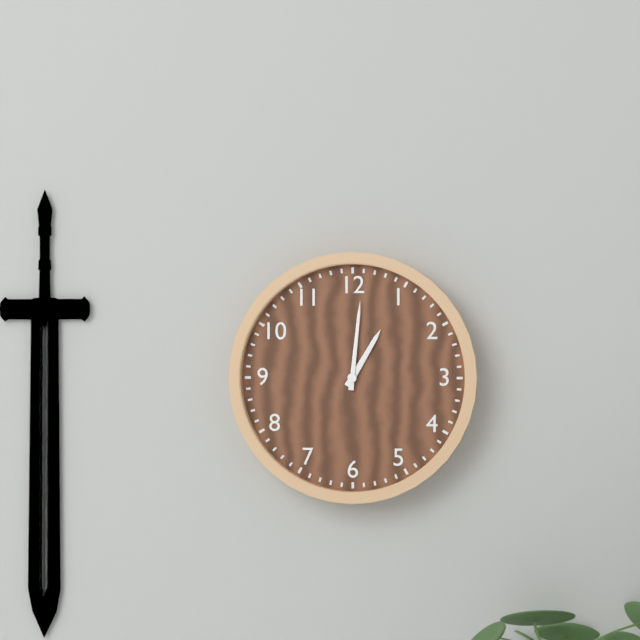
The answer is 1h01
